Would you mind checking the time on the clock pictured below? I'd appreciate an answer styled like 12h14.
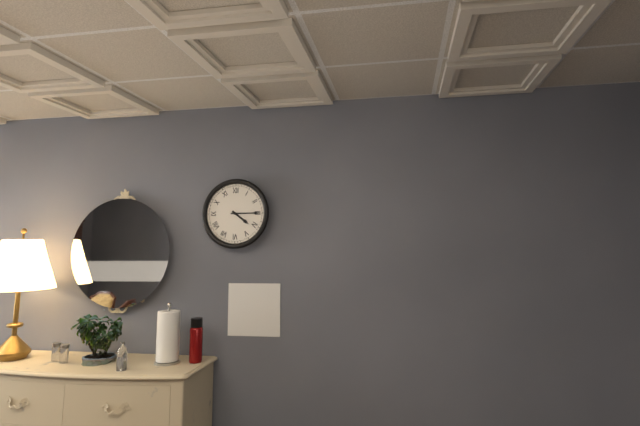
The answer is 4h15
